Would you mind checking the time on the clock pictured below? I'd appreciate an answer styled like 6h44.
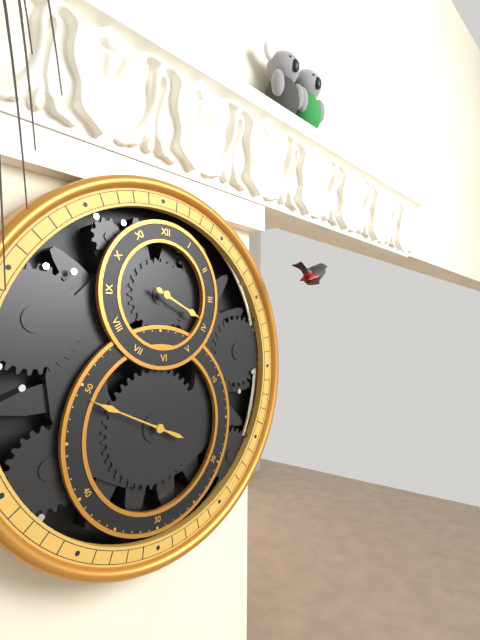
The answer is 3h49
